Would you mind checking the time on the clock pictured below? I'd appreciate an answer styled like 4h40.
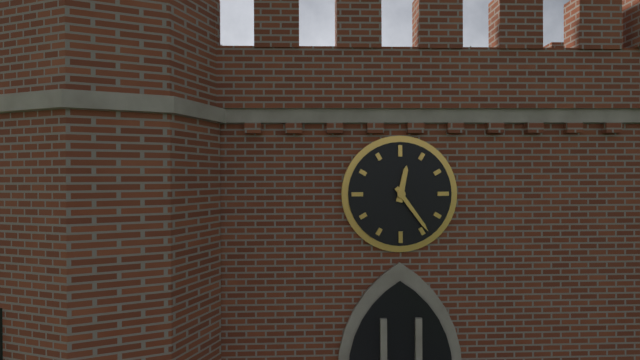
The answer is 12h24
